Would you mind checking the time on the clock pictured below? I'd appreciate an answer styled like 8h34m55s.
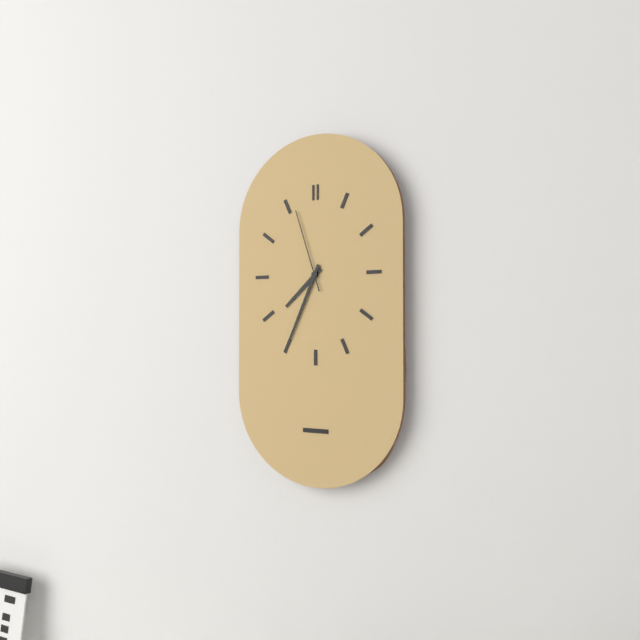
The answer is 7h34m57s
